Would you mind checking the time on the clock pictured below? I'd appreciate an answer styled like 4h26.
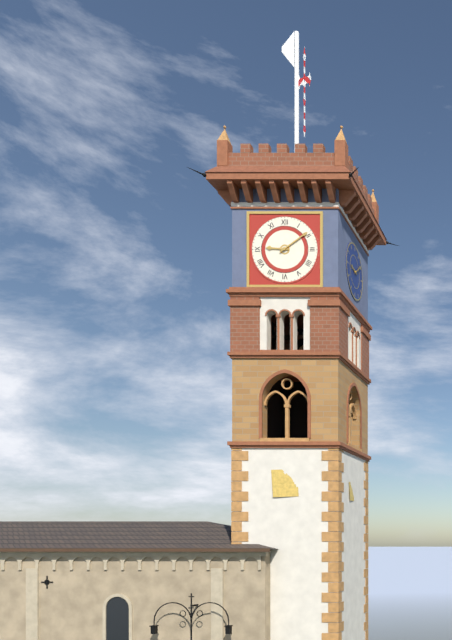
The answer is 9h09
